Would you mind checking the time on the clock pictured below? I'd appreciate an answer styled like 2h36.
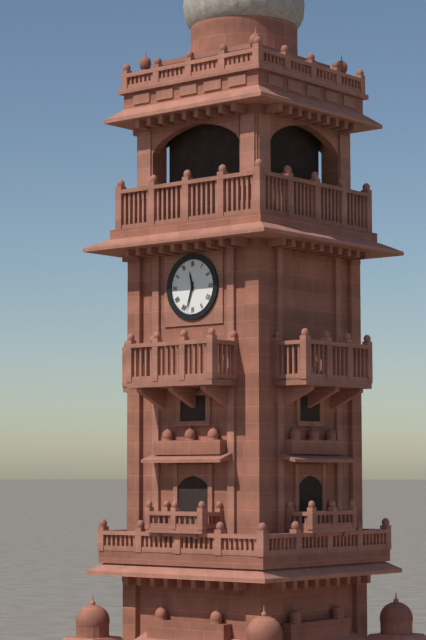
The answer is 11h33
